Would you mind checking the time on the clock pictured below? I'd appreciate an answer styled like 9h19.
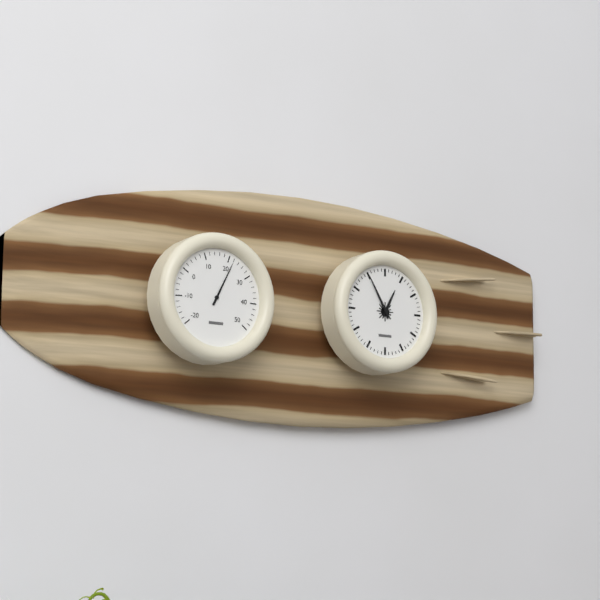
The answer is 12h55
